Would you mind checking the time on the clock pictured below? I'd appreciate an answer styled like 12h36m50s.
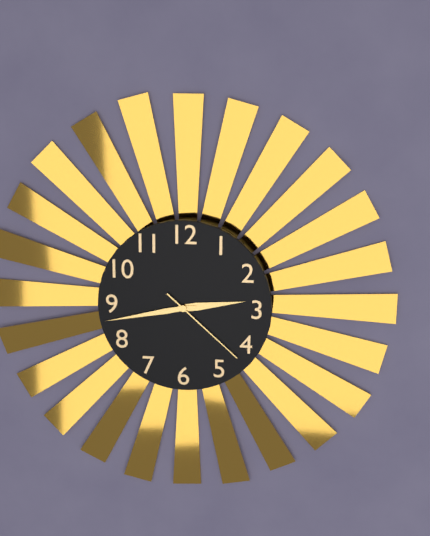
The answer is 2h43m22s
